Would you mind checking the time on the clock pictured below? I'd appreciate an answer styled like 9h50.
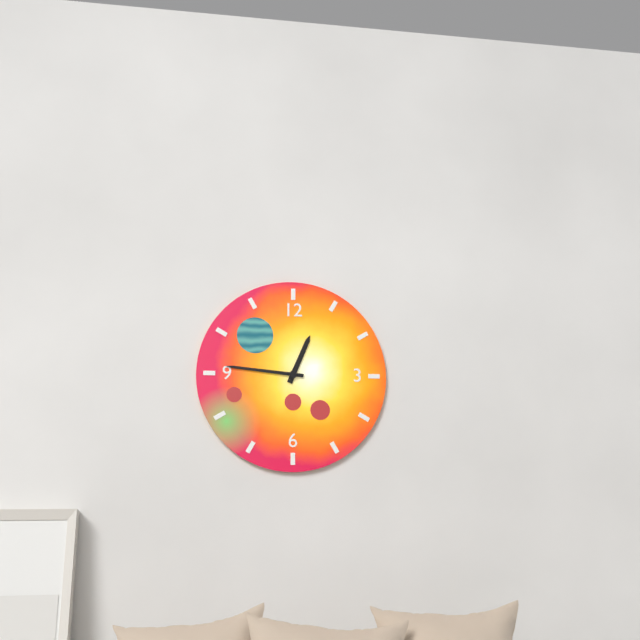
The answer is 12h46
